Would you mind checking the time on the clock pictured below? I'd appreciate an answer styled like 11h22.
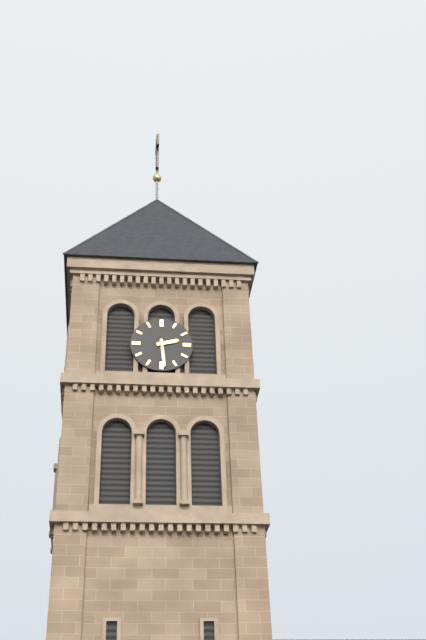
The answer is 2h29
